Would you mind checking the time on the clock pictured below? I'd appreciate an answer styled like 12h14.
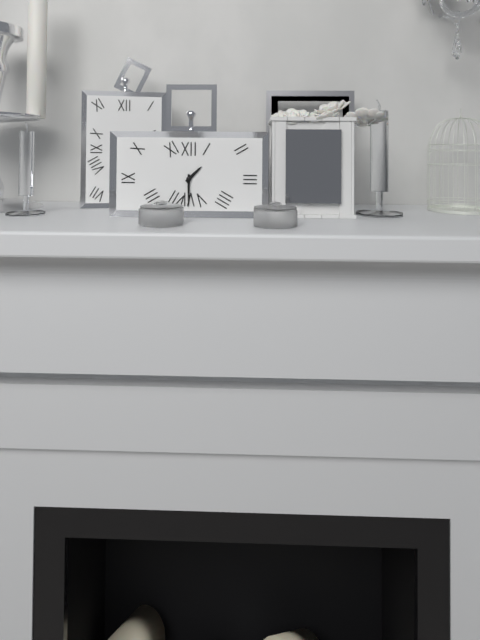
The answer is 1h30
